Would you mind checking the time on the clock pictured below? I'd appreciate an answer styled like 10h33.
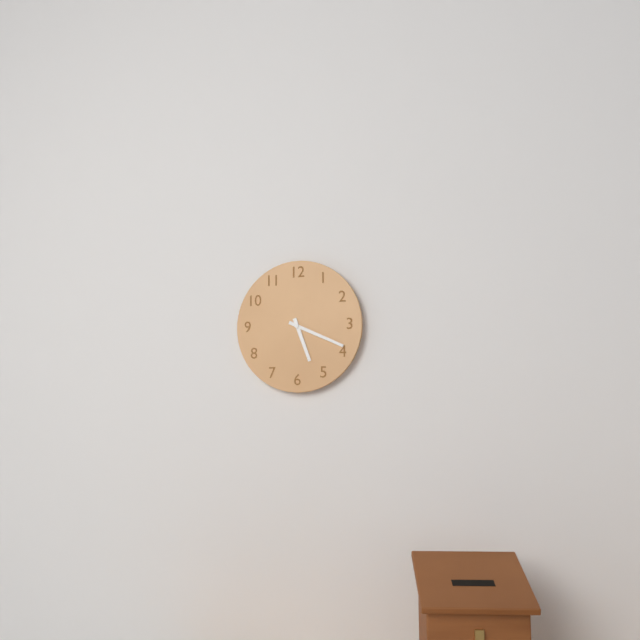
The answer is 5h19
